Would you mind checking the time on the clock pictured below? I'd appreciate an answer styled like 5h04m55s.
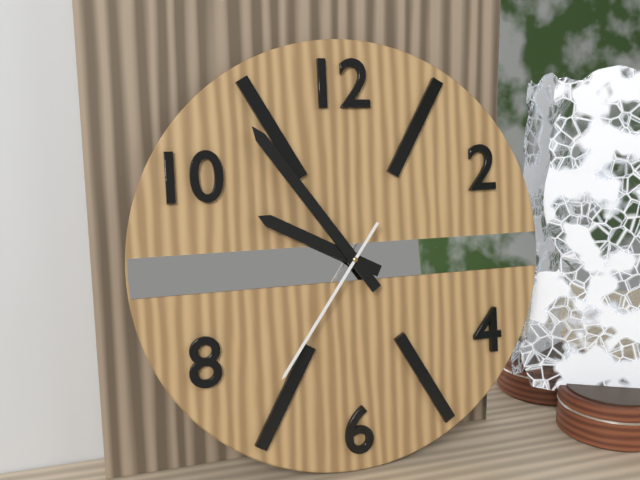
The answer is 9h54m36s
